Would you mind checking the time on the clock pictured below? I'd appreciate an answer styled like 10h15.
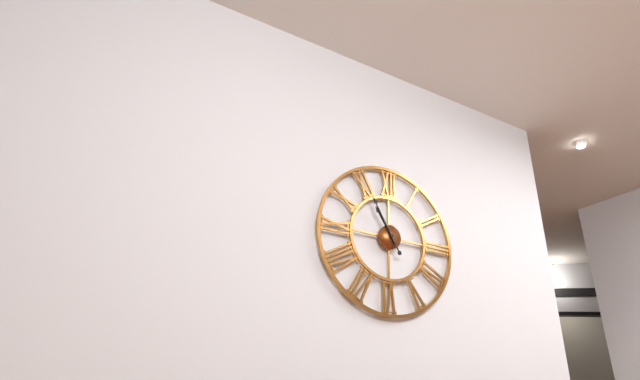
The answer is 10h55
